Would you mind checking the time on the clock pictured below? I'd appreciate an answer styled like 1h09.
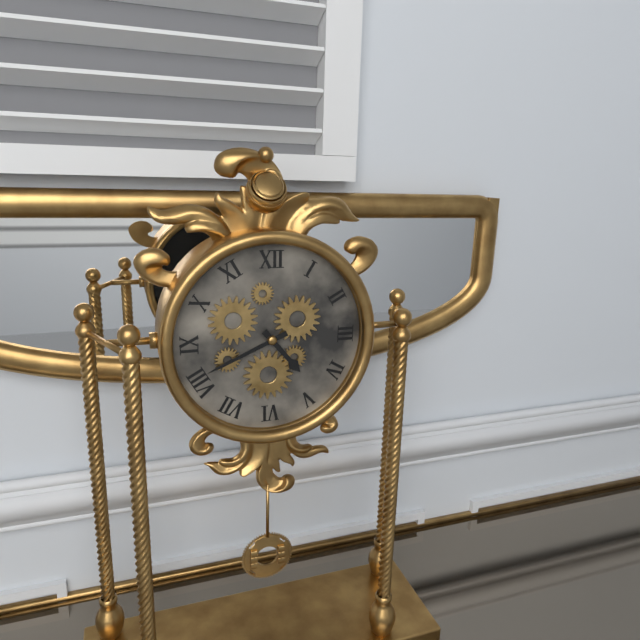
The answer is 4h41
